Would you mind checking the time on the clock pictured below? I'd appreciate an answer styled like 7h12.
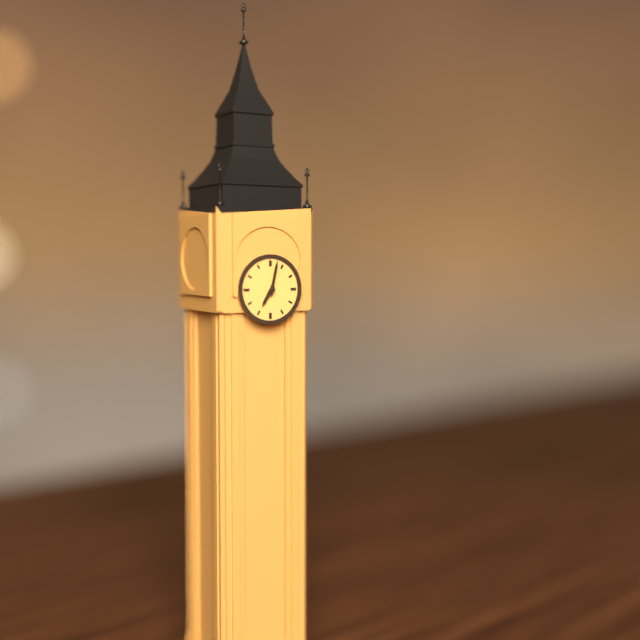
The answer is 7h02
